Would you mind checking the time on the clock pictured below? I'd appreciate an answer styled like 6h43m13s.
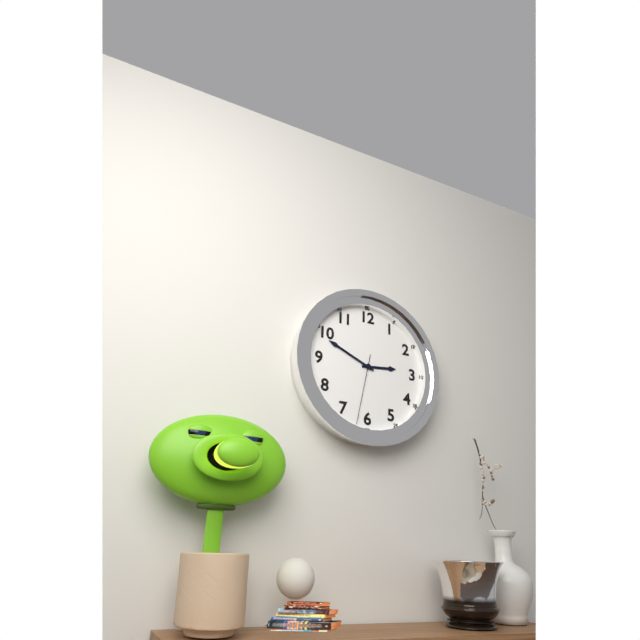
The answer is 2h49m32s
